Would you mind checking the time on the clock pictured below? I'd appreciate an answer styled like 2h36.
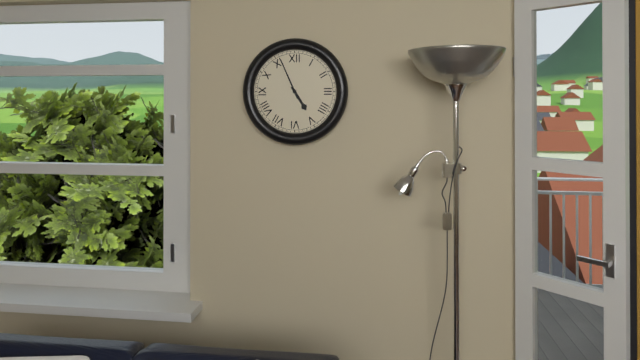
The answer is 4h56
